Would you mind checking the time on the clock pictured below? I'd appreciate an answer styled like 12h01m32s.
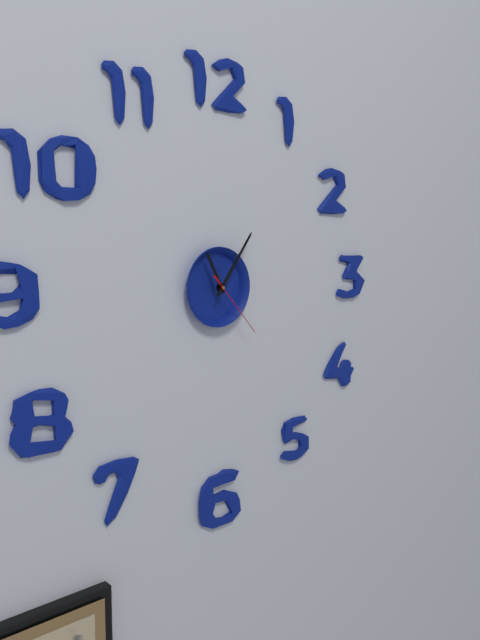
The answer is 11h06m23s
